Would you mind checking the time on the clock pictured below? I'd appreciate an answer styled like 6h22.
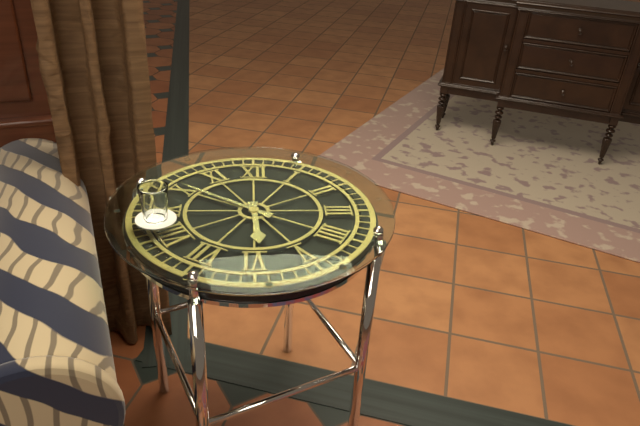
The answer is 5h51
